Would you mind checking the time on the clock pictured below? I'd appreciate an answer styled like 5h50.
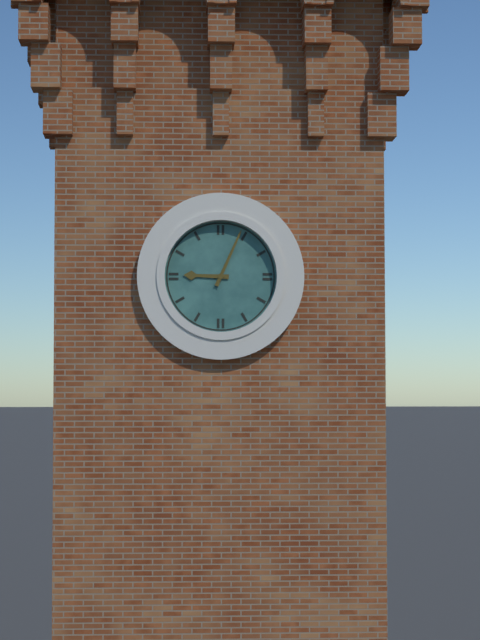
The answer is 9h04
